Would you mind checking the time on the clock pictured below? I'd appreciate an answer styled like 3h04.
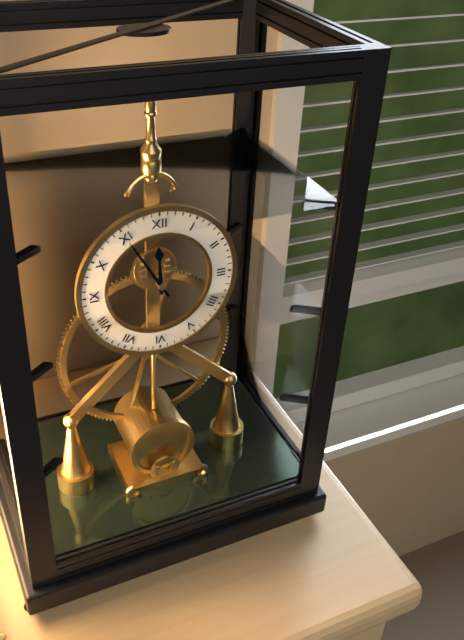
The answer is 11h55
